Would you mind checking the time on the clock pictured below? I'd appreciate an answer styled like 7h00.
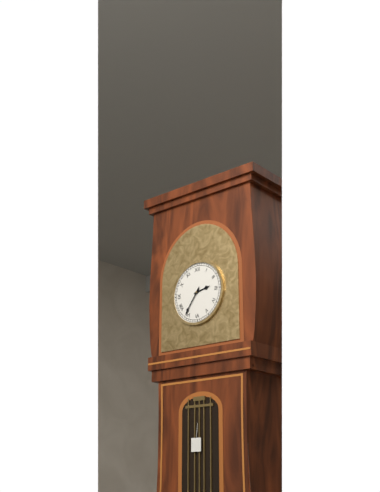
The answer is 2h36
